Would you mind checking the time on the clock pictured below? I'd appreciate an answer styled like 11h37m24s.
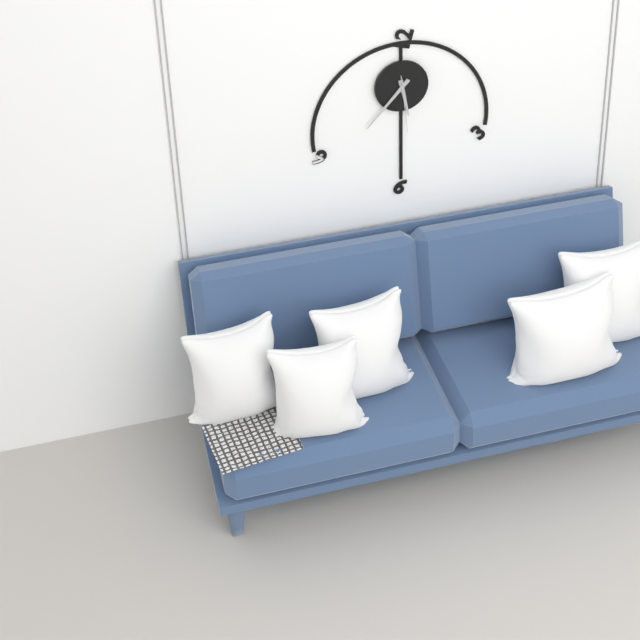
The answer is 5h37m29s
